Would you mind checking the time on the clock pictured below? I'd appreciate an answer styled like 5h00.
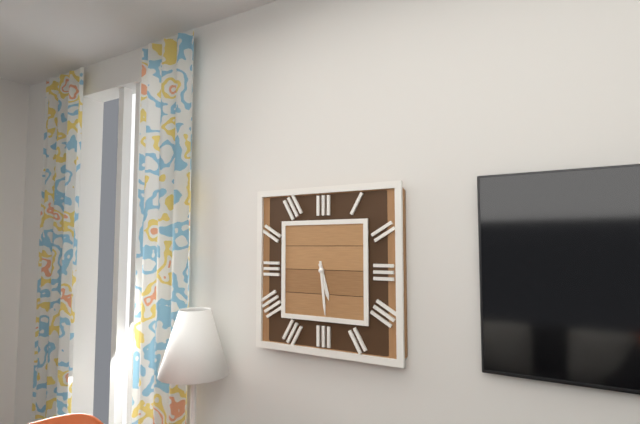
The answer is 5h29
